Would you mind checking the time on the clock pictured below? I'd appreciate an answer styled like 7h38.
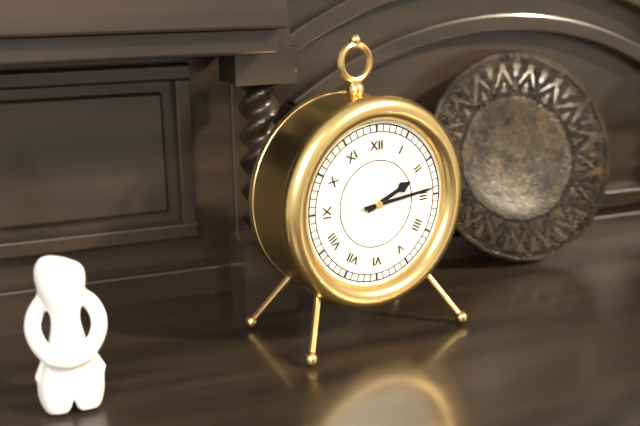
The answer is 2h14
